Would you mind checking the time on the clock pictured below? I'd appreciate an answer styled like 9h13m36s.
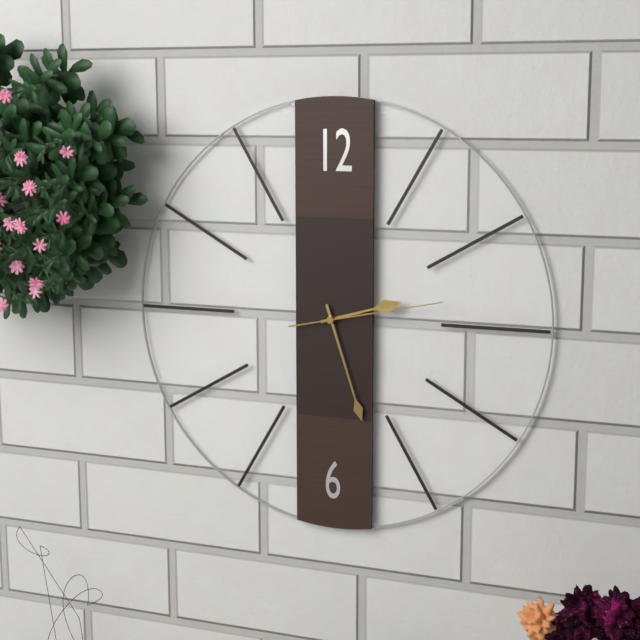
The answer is 2h27m13s
